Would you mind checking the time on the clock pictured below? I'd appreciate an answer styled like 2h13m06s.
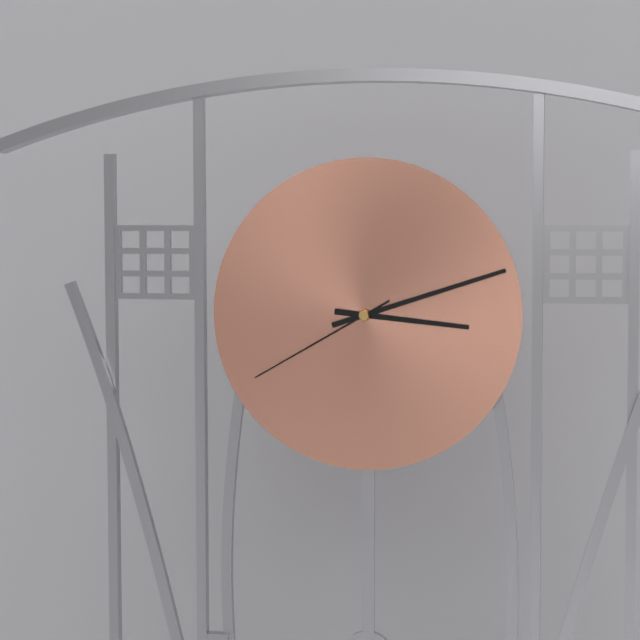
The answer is 3h12m40s
